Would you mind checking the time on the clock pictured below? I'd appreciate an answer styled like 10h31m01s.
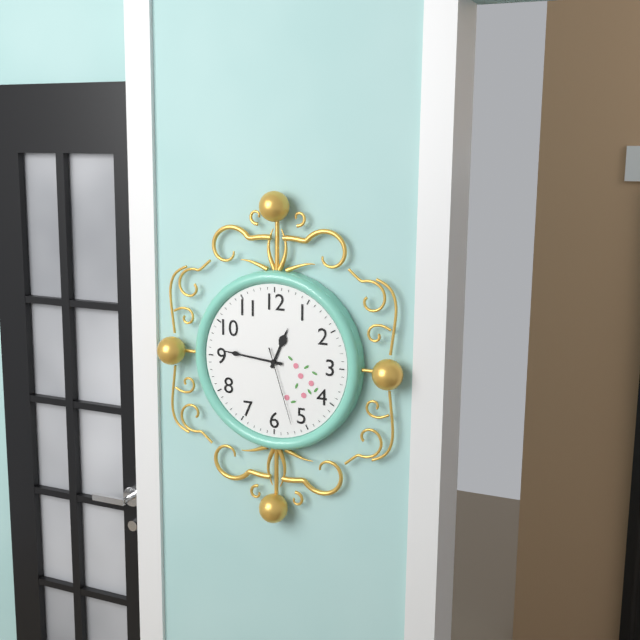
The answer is 12h46m27s
